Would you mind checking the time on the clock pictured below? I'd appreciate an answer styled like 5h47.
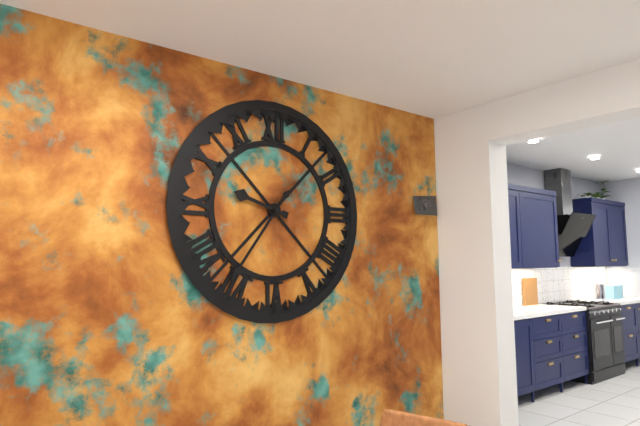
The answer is 9h36
